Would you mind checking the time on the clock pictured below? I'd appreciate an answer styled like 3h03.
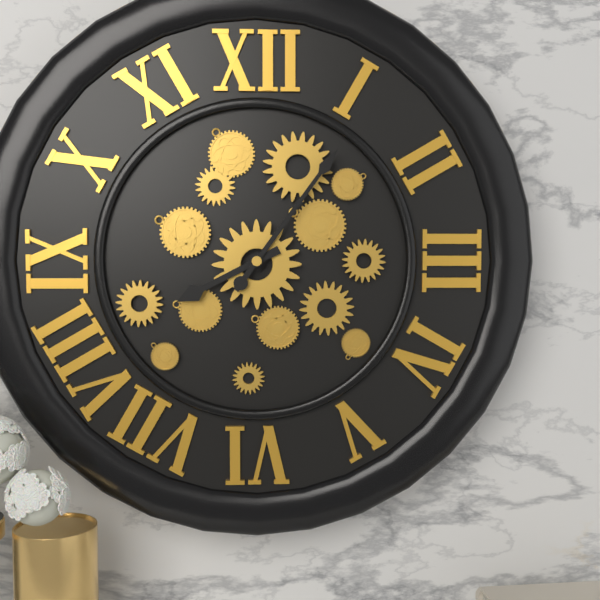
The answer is 8h06
